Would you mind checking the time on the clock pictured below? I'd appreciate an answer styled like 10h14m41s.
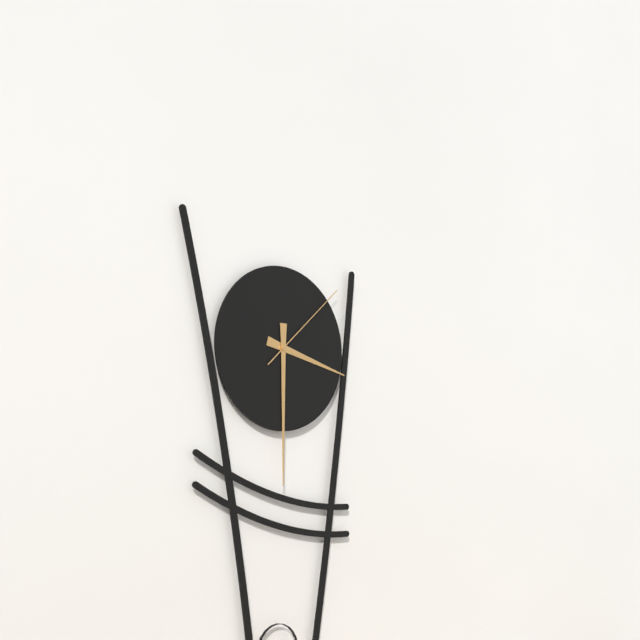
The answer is 3h30m08s
